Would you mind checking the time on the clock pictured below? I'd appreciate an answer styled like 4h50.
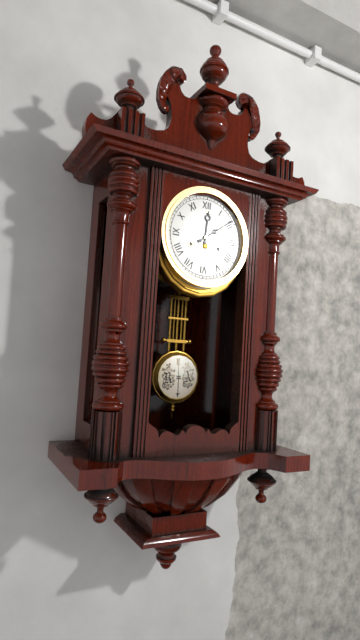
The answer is 12h09
